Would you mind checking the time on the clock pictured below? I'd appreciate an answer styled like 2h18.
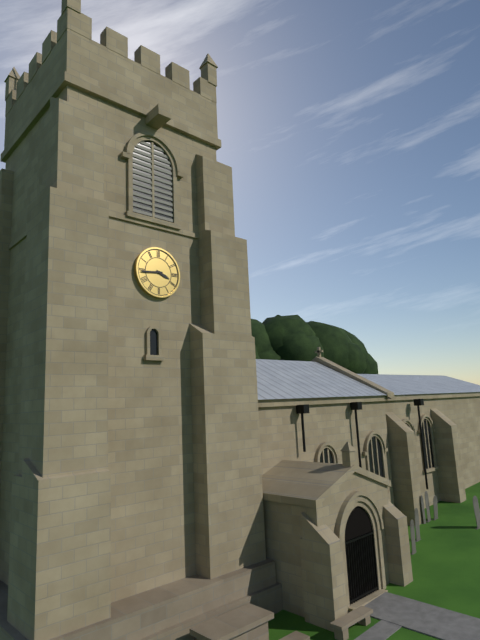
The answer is 3h44
